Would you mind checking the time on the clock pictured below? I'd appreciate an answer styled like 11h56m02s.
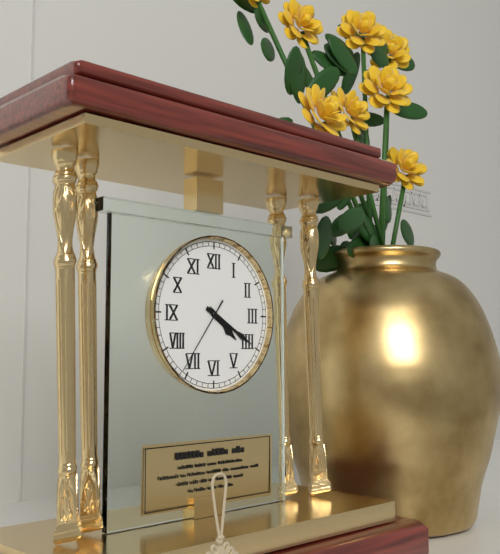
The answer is 4h20m36s
